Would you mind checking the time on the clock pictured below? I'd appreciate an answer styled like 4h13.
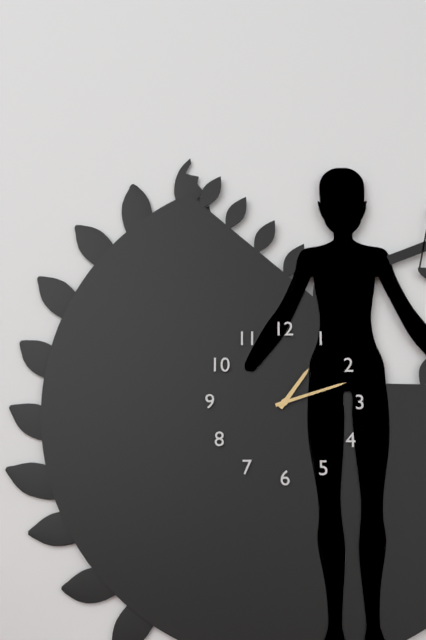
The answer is 1h12
